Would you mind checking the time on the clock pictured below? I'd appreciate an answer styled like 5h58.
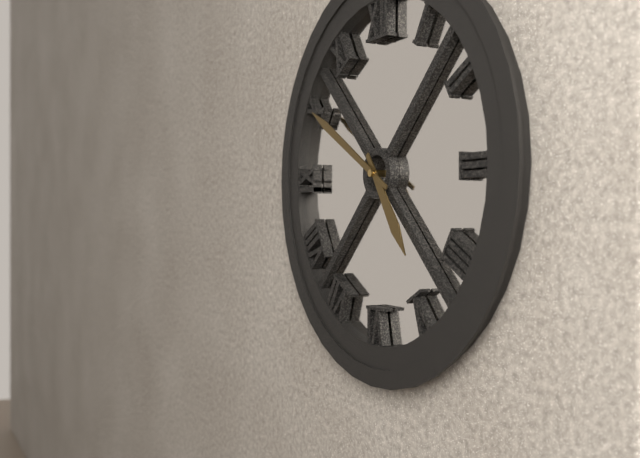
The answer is 4h50
